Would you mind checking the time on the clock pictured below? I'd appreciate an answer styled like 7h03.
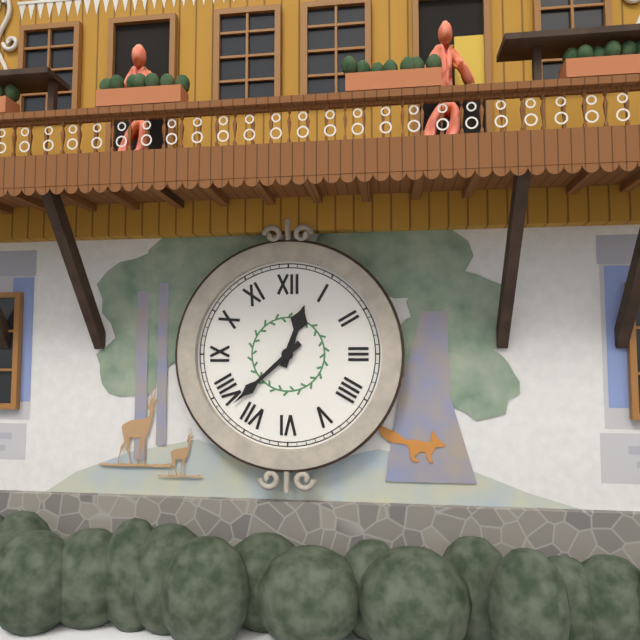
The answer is 12h38
